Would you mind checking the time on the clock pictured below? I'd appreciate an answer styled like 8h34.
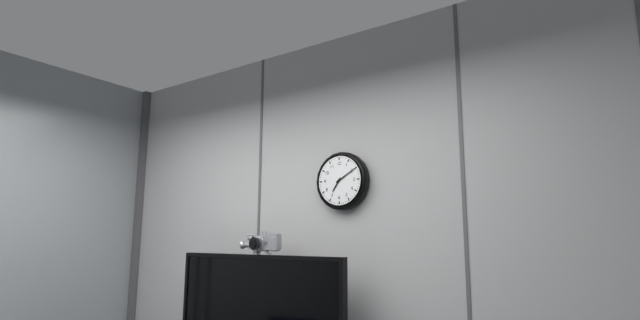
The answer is 7h10
